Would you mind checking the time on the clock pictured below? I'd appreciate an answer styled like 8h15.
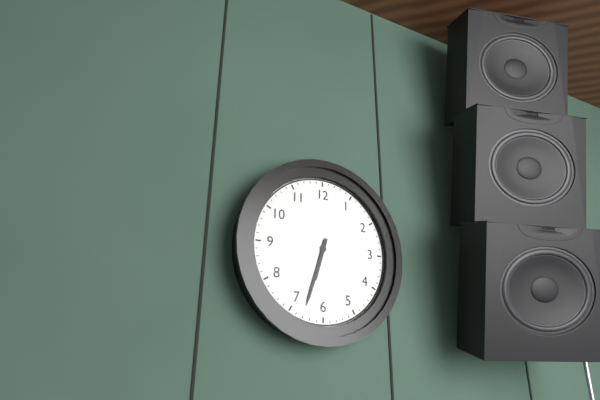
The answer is 6h33
